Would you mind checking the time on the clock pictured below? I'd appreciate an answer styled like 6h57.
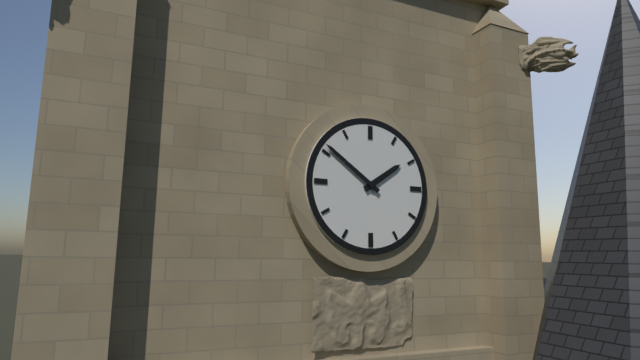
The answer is 1h51
